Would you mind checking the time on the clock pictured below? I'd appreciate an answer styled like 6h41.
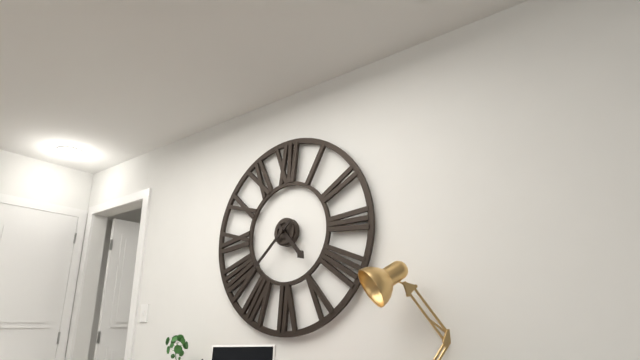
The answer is 4h38
